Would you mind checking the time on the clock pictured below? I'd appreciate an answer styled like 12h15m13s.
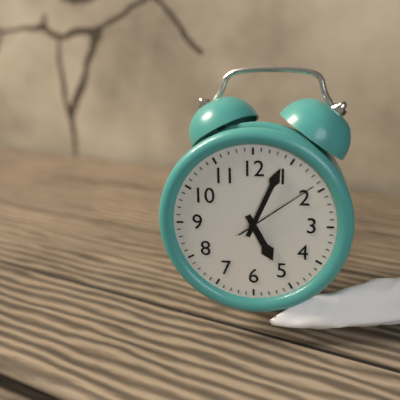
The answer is 5h04m09s
